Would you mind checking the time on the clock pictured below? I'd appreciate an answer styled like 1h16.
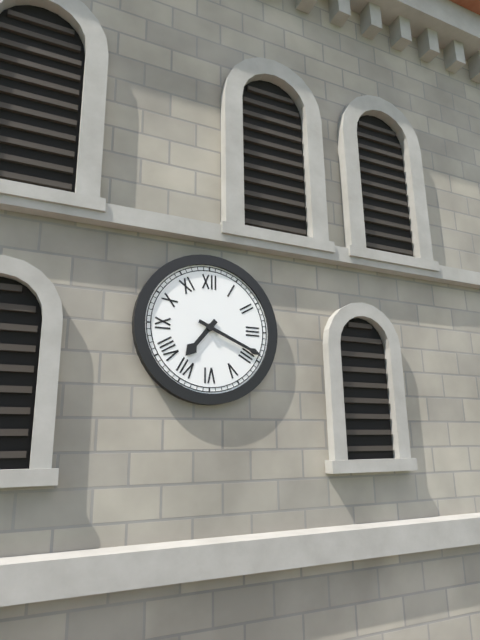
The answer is 7h19
